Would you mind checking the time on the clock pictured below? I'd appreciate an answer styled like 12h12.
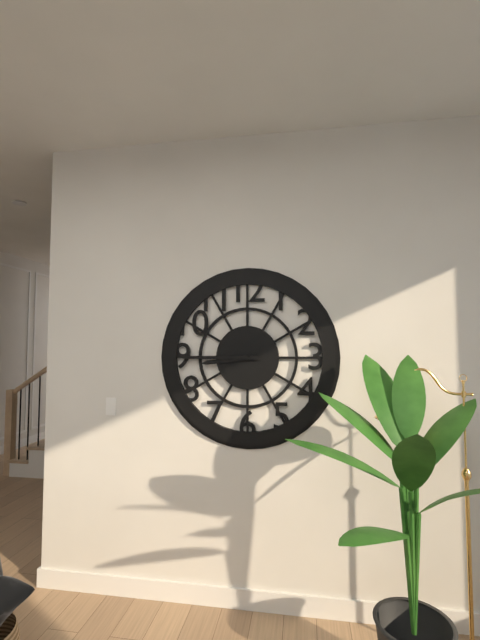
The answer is 8h45
